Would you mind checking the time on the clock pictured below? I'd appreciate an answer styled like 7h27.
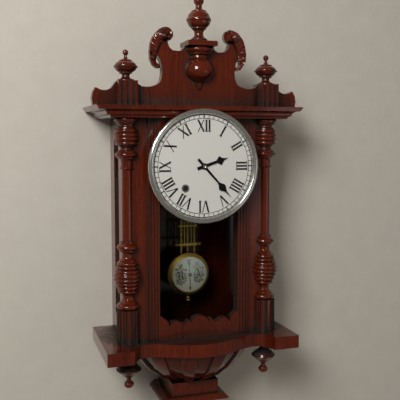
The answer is 2h23
